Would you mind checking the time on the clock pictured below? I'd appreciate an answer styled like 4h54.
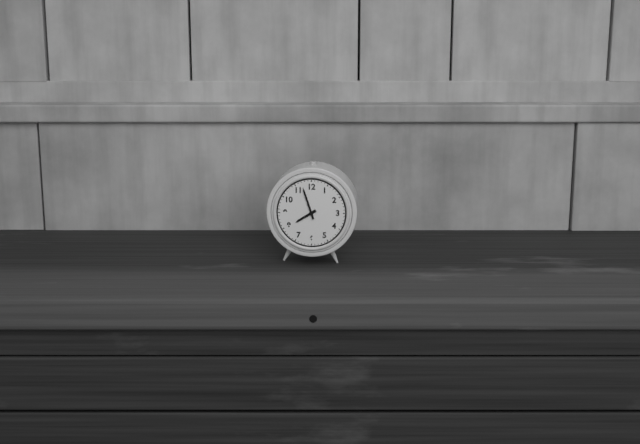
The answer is 7h57
